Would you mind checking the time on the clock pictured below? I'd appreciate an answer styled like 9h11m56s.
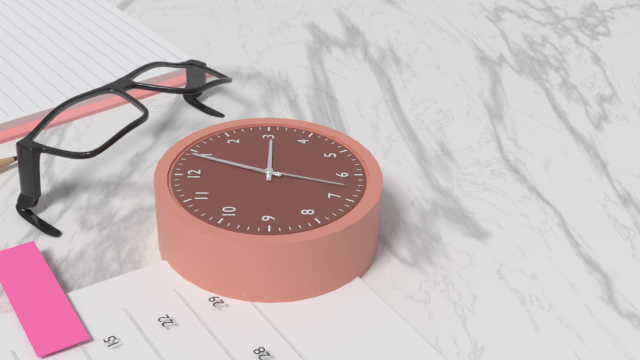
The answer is 3h04m33s
